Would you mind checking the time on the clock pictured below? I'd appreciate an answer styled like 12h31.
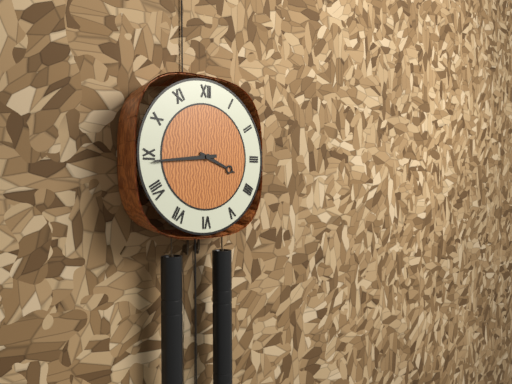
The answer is 3h44
